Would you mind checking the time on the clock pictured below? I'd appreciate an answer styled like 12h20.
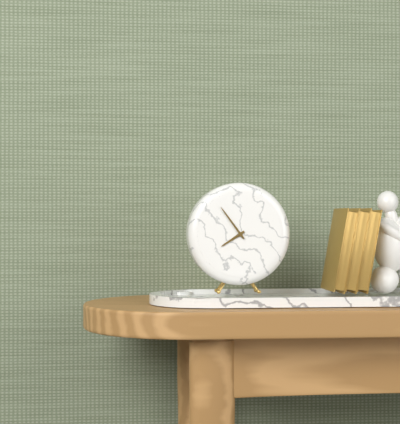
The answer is 7h54
